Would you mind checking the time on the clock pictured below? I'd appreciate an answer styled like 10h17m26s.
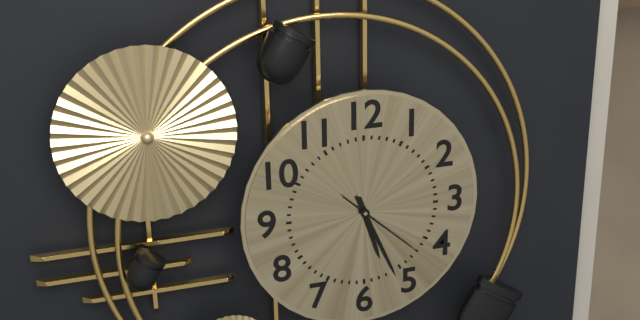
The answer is 5h26m22s
